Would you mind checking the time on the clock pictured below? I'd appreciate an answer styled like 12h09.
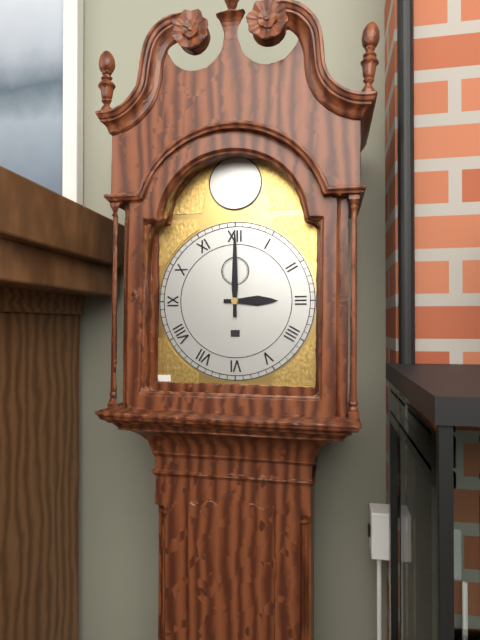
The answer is 3h00
